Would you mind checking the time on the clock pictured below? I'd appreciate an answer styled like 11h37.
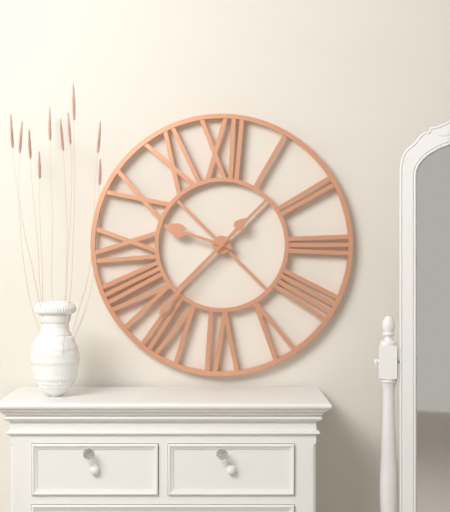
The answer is 9h37
